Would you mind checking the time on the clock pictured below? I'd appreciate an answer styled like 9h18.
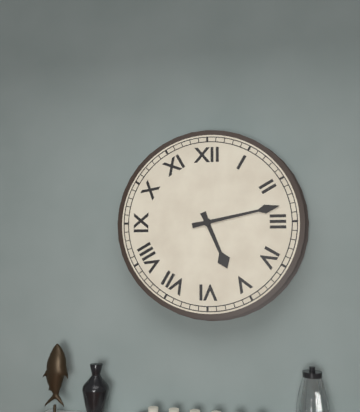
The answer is 5h13
